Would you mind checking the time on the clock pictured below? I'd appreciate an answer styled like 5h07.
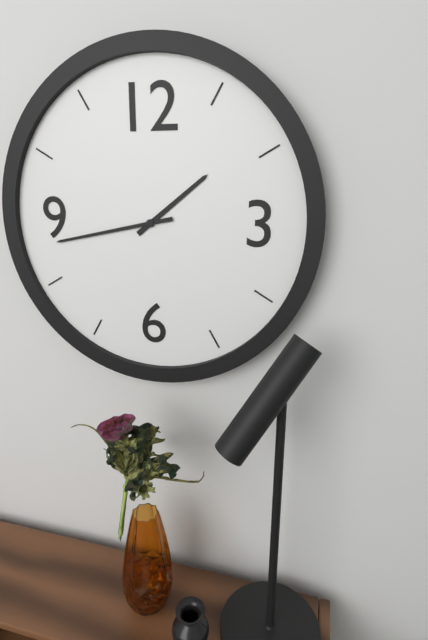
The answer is 1h43
